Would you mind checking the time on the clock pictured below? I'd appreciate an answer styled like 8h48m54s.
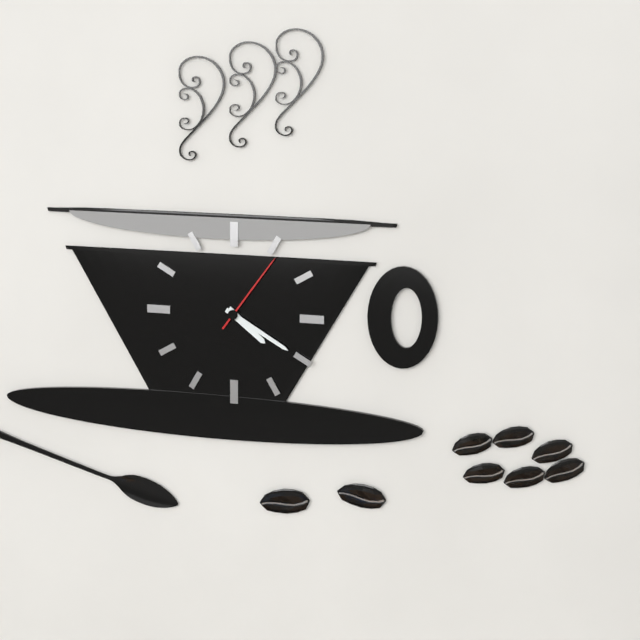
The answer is 4h20m06s
